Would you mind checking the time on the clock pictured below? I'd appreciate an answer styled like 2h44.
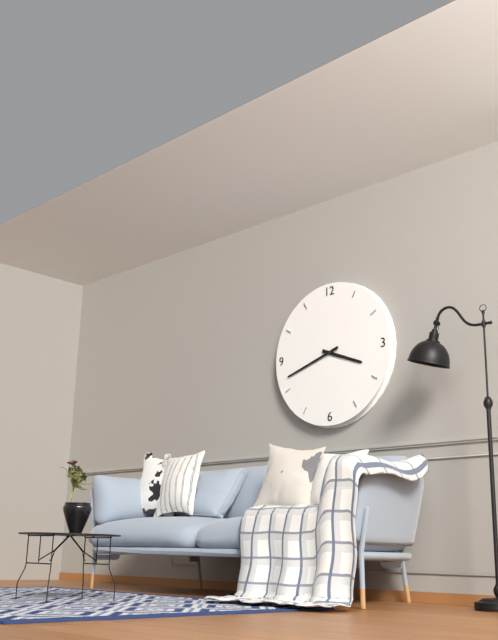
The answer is 3h42
